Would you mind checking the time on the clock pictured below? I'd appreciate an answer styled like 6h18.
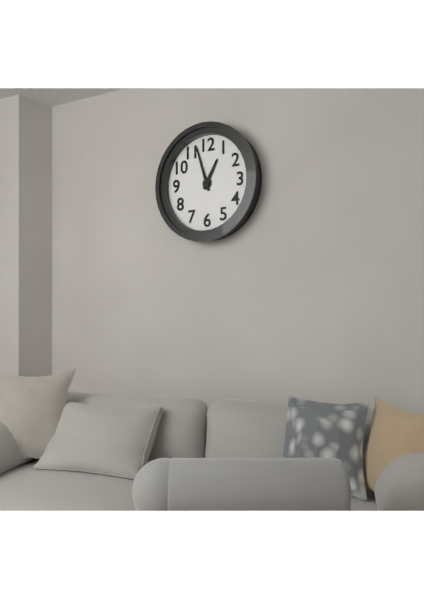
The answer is 12h57
